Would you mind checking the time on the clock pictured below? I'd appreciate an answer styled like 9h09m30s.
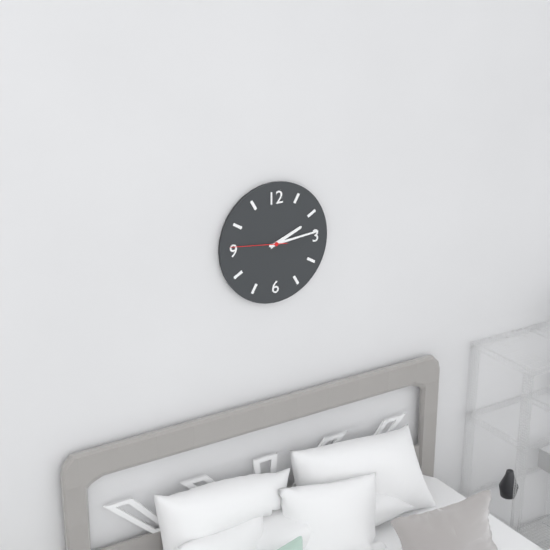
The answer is 2h14m46s
